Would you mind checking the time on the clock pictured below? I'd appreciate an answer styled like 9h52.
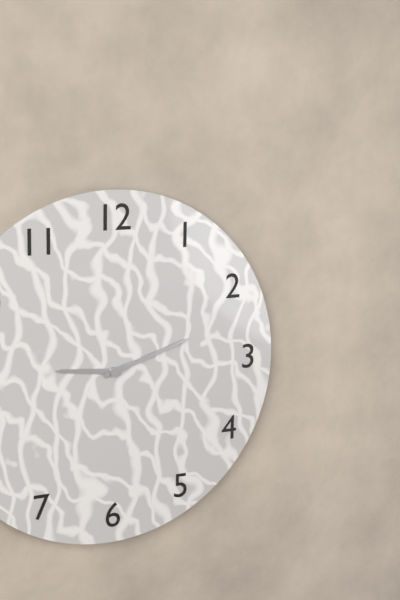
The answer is 9h12
